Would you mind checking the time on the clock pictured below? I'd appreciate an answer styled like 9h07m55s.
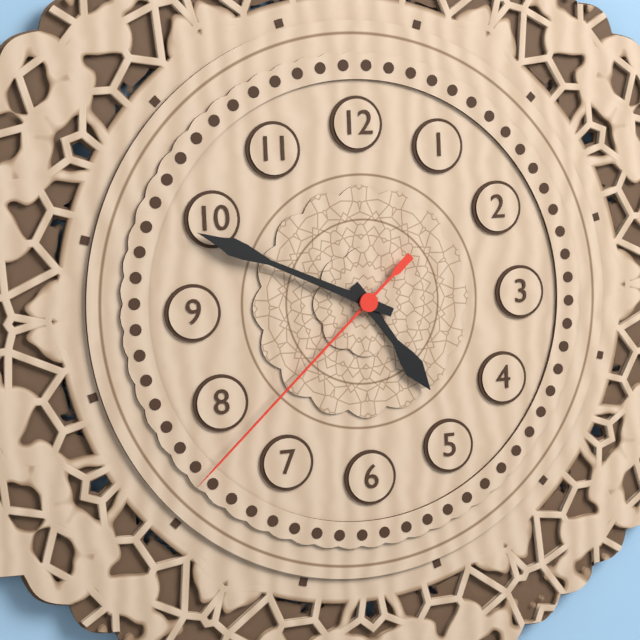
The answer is 4h49m38s
